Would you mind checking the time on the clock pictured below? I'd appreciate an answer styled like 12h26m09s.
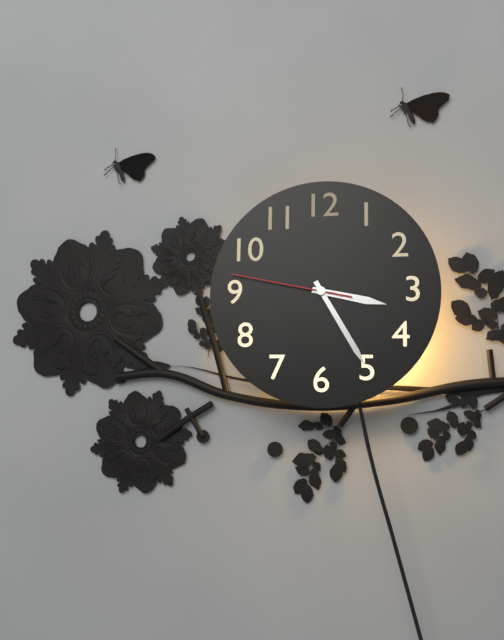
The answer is 3h25m47s
